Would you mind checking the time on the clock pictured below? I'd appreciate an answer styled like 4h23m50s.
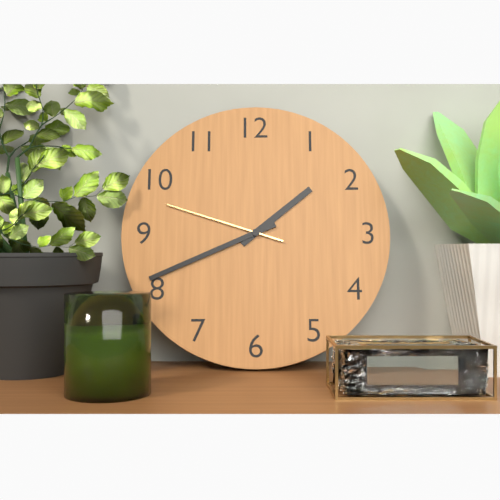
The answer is 1h41m48s
